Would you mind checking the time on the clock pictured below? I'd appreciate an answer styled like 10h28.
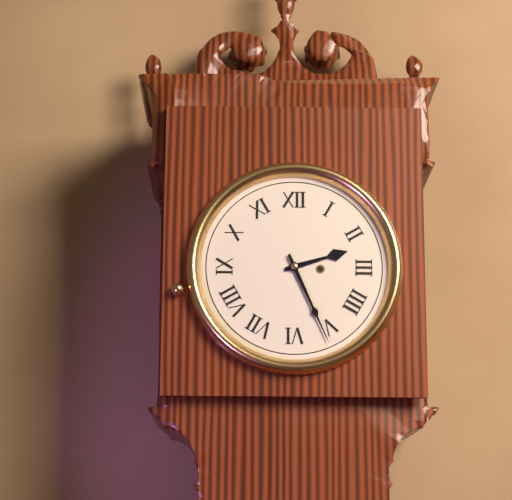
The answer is 2h26
